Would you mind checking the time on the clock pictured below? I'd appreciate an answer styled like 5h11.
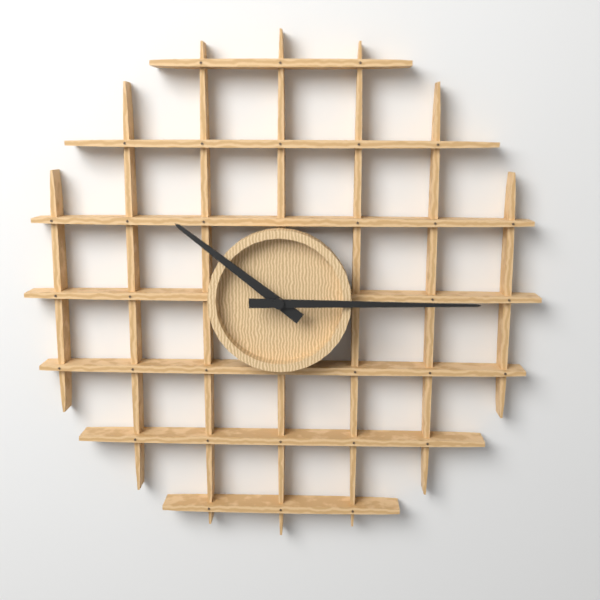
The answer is 10h15
